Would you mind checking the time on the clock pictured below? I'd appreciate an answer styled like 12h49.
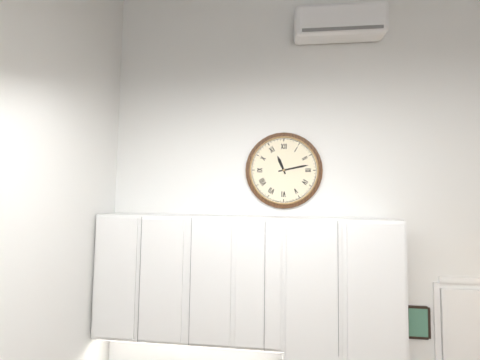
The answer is 11h13
